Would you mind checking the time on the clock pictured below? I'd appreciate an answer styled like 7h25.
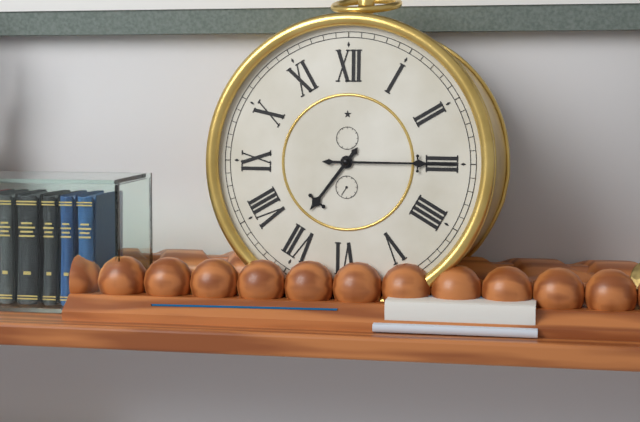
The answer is 7h15
